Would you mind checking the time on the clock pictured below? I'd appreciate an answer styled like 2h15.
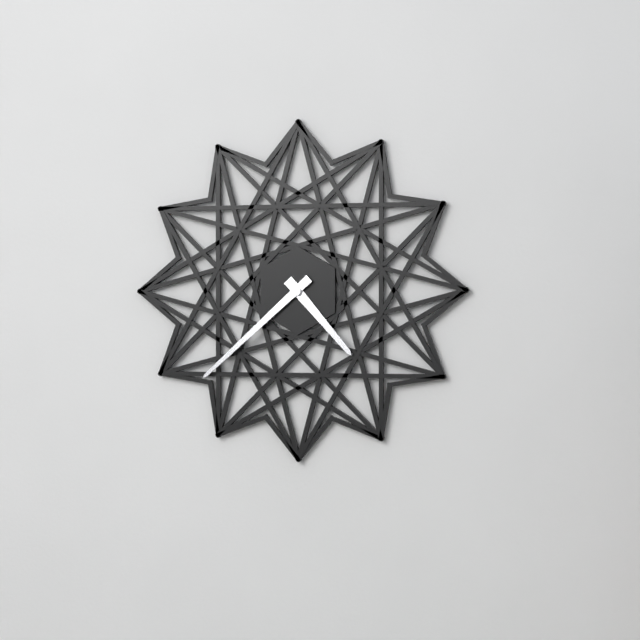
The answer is 4h38
